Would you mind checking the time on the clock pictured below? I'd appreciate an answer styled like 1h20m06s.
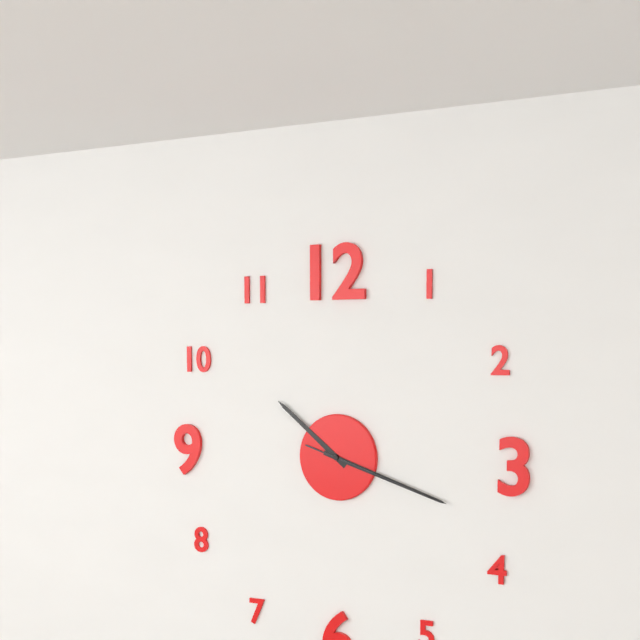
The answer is 10h18m18s
